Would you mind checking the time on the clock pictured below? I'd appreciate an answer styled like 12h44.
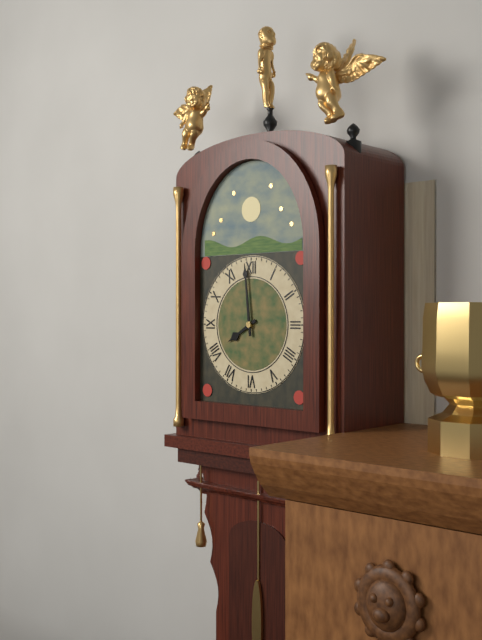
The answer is 7h59
